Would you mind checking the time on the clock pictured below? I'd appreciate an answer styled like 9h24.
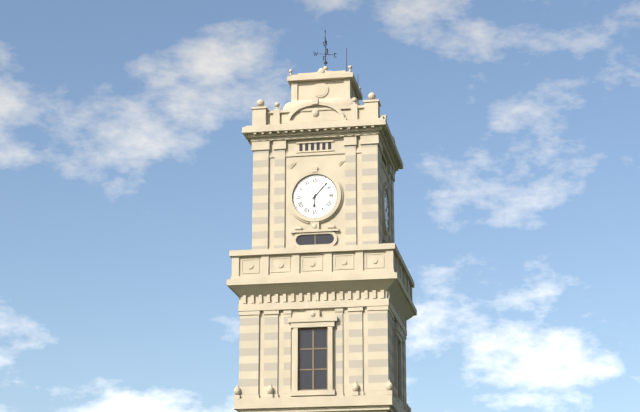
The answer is 6h07
